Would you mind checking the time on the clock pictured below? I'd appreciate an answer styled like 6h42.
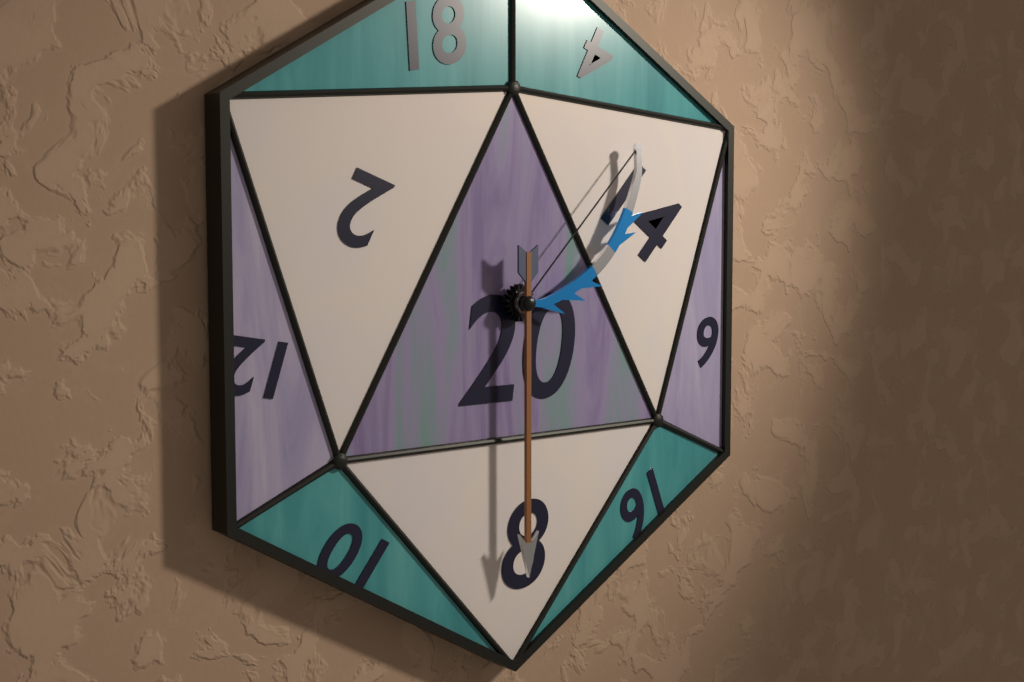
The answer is 1h30
